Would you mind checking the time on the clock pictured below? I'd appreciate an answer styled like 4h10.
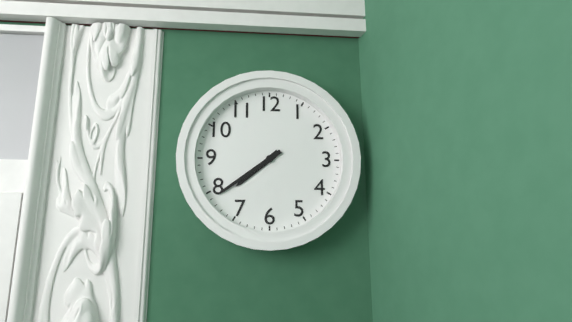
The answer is 7h39
